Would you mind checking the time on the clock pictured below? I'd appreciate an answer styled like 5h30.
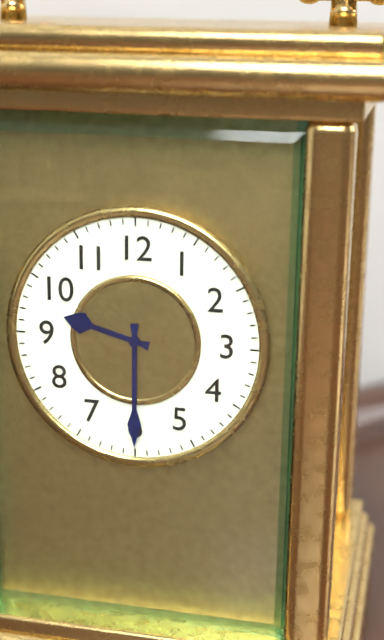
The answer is 9h30
